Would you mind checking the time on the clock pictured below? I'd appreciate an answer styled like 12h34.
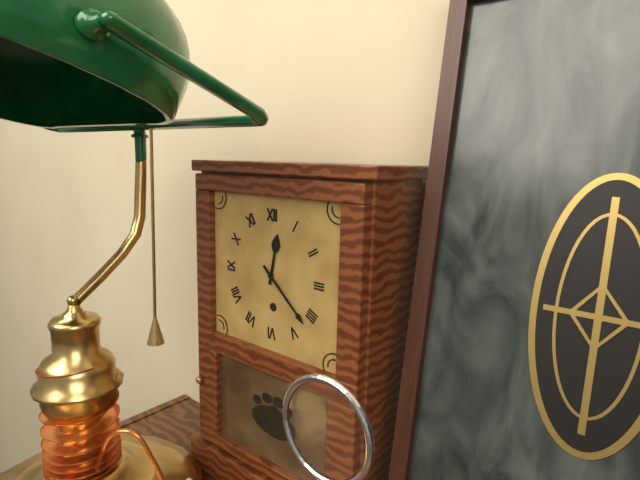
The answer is 12h22
